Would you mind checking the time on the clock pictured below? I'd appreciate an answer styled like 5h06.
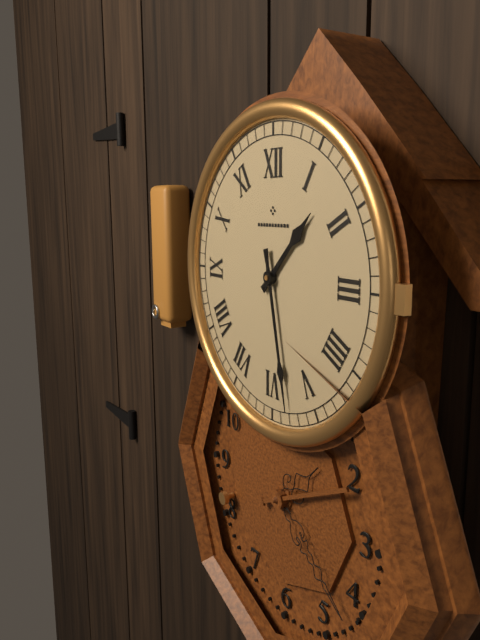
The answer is 1h28
